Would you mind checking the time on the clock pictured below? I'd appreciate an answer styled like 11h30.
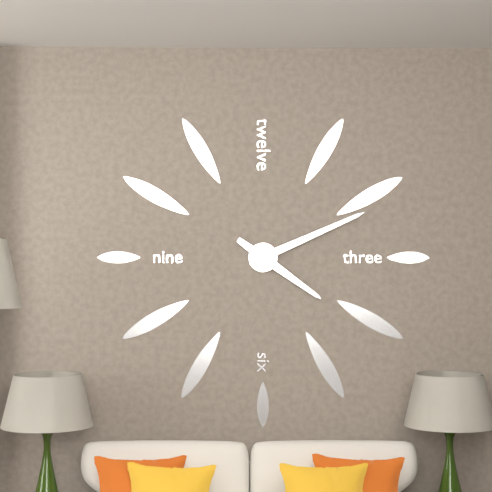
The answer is 4h11
